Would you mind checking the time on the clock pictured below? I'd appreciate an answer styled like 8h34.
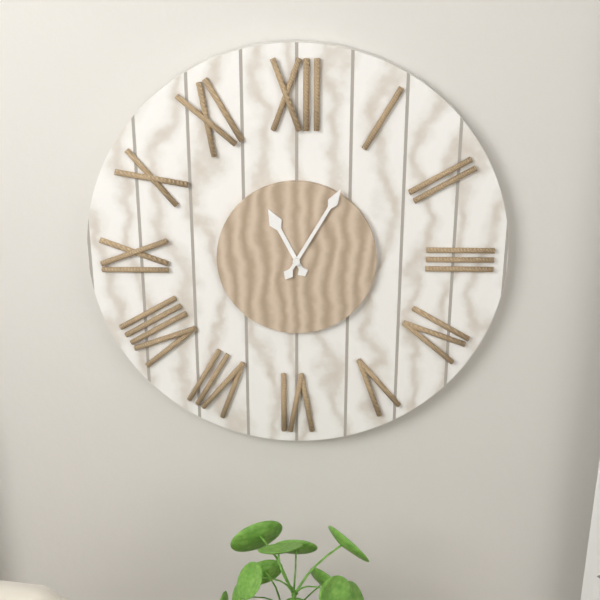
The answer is 11h05
